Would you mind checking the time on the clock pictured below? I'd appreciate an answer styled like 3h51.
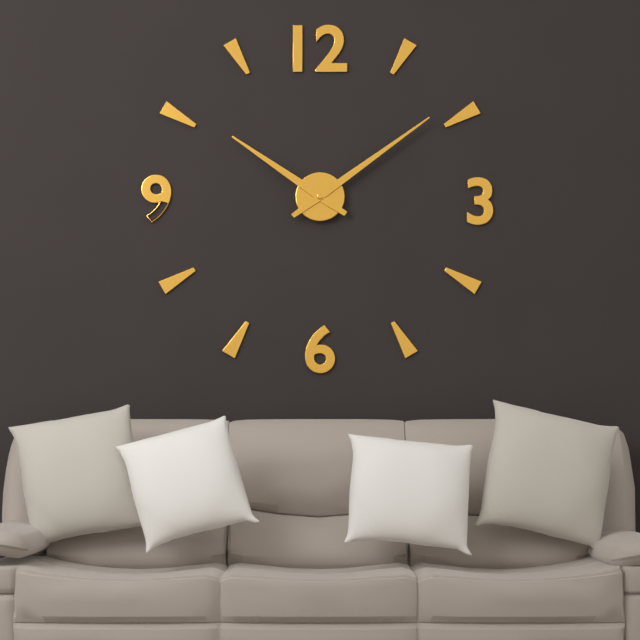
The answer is 10h09
